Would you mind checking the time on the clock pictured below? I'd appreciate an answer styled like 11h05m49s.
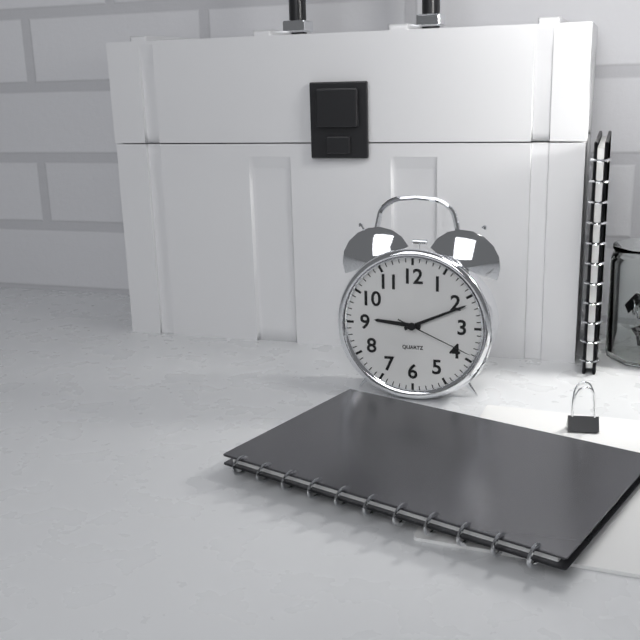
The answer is 9h11m19s
